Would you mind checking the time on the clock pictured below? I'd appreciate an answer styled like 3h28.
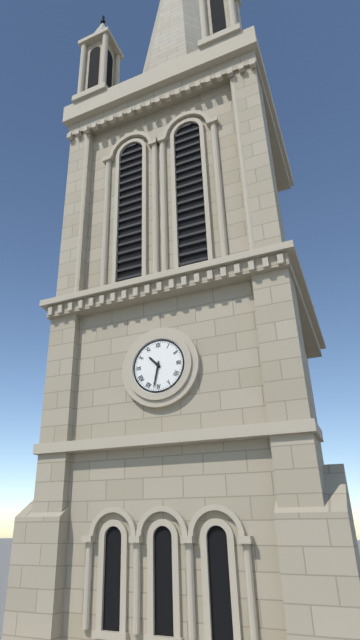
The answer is 10h32
